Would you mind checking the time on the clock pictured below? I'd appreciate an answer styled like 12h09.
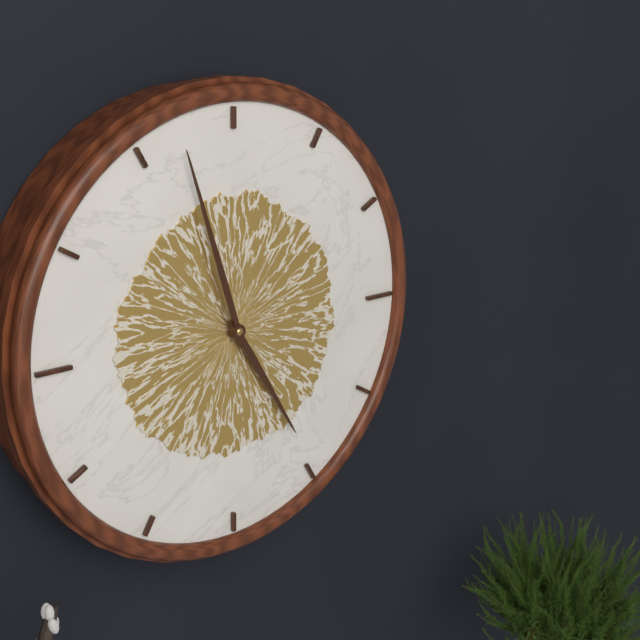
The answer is 4h57
